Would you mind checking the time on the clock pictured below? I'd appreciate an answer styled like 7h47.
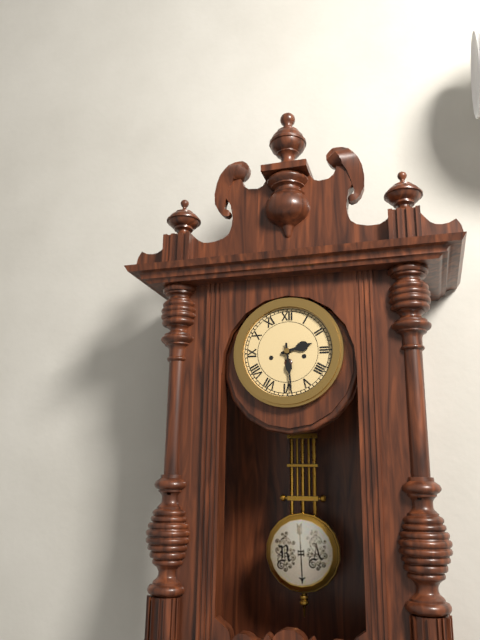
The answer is 2h29
